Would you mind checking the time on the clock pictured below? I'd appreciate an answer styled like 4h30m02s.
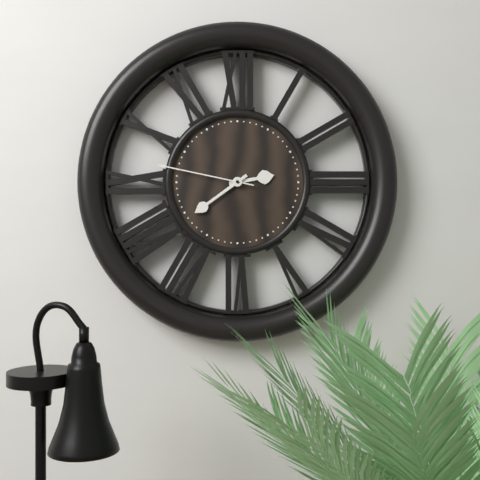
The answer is 2h39m47s
